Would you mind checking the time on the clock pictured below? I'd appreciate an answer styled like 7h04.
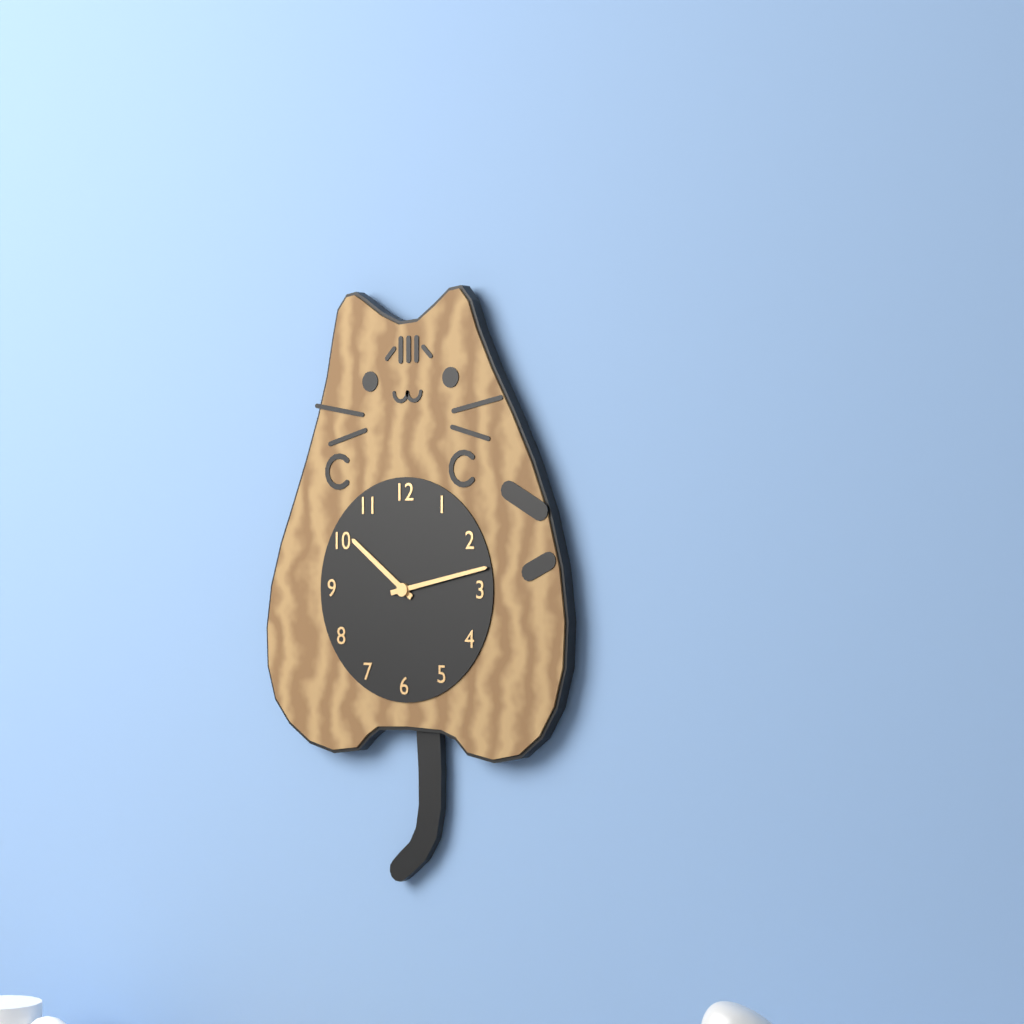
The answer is 10h13
